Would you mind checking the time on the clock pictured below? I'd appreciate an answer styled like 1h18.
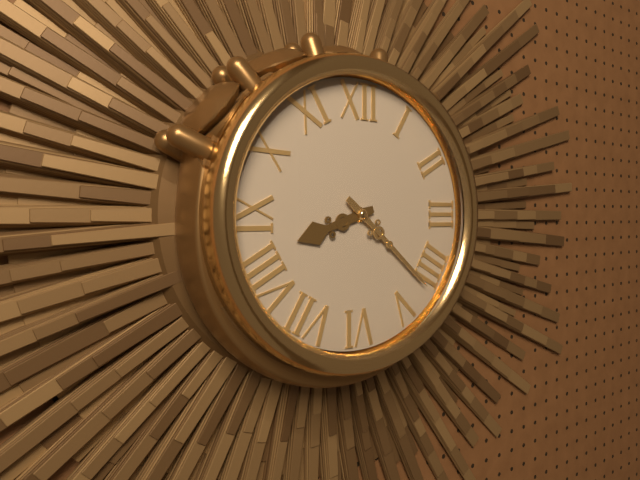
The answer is 8h22
